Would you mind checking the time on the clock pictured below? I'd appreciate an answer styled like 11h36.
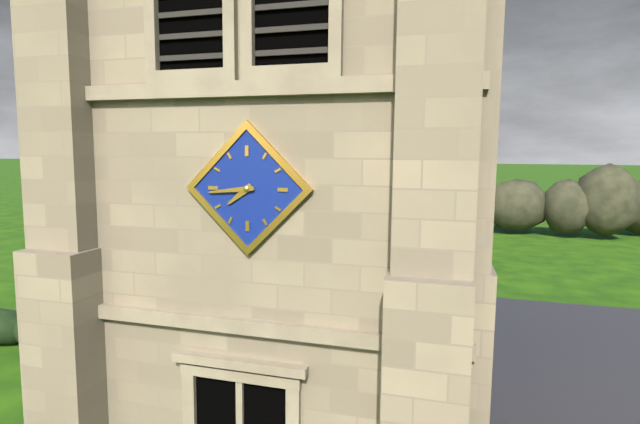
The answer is 7h44
